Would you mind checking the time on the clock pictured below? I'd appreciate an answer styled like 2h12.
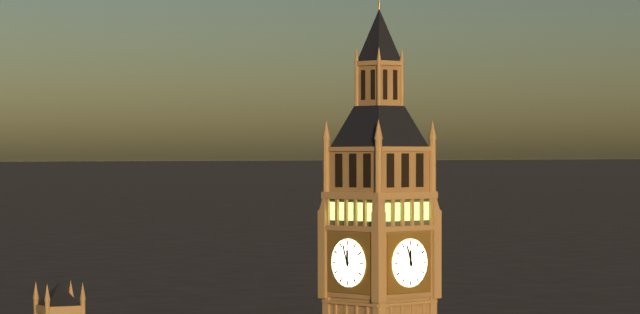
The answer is 11h57
